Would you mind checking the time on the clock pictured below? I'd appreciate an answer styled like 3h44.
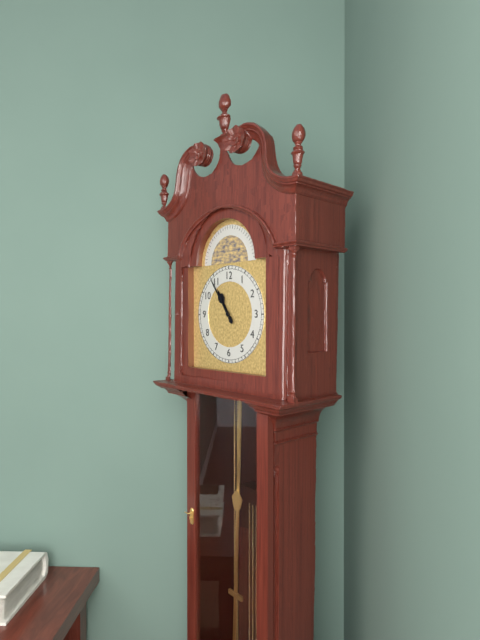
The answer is 10h54
